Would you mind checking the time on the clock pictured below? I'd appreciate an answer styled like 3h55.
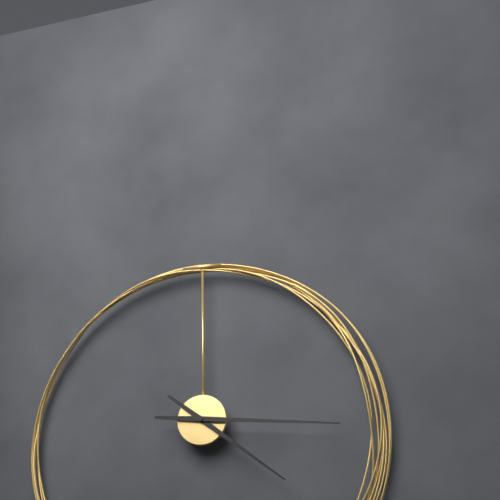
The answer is 4h16
